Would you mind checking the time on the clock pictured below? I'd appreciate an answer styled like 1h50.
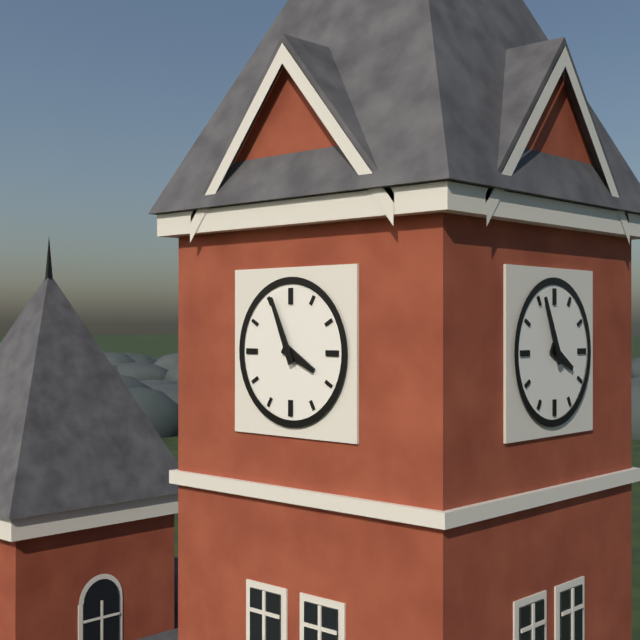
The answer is 3h56
